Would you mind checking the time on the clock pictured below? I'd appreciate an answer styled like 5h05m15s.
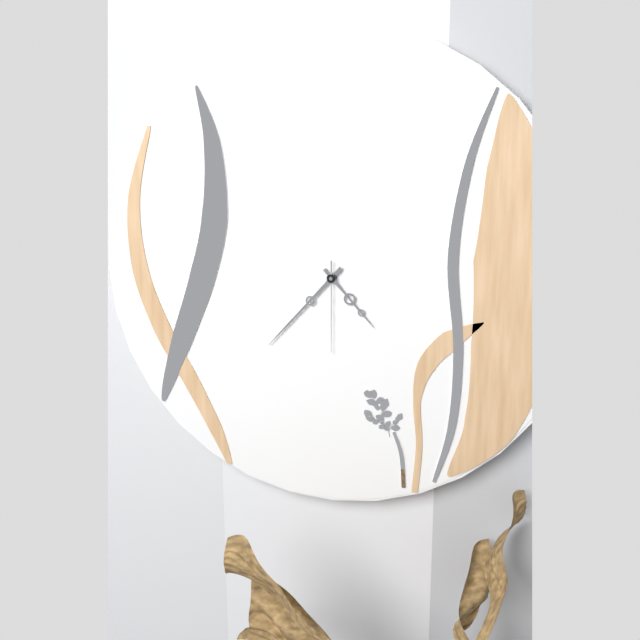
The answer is 4h37m30s
